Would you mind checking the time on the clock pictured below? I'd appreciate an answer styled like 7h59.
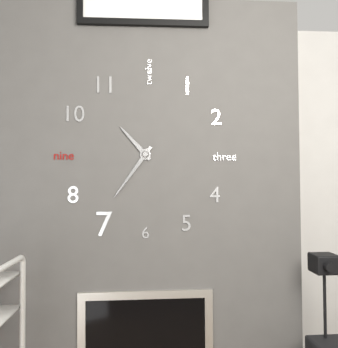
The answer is 10h36
